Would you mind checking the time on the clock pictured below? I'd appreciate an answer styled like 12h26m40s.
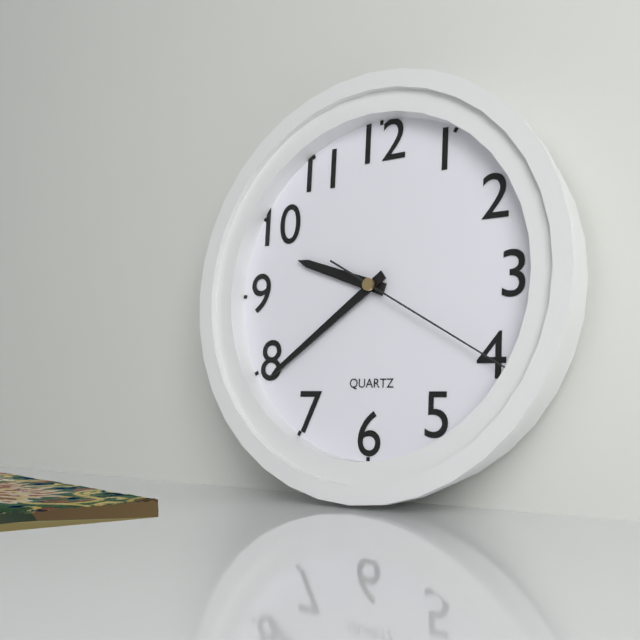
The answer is 9h39m20s
